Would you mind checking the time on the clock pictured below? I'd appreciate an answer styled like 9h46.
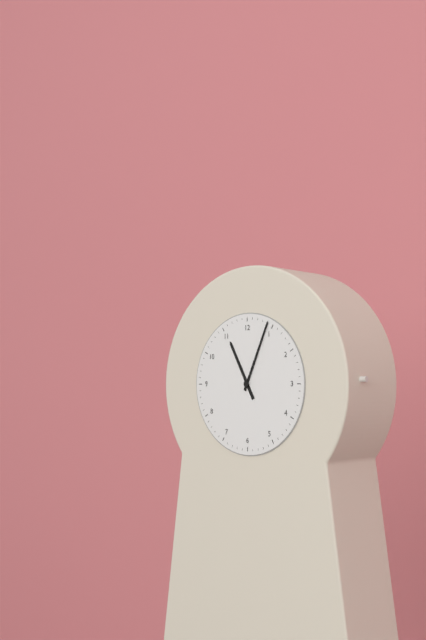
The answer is 11h04
